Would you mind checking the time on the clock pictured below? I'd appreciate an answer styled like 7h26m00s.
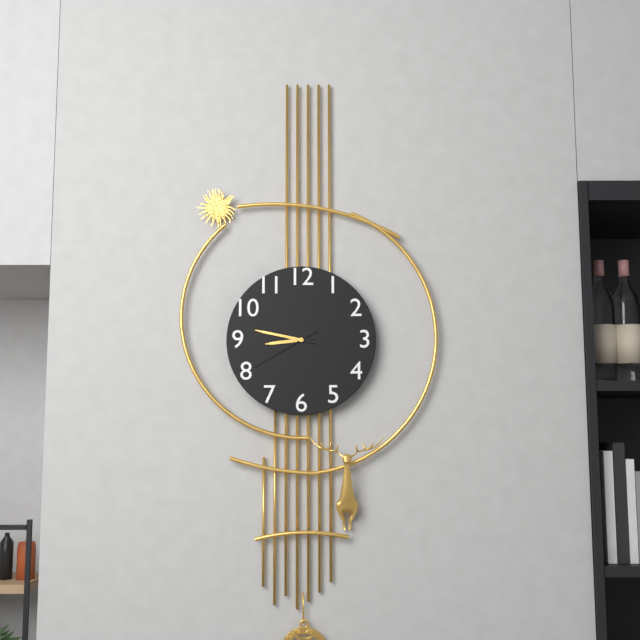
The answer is 8h47m40s
